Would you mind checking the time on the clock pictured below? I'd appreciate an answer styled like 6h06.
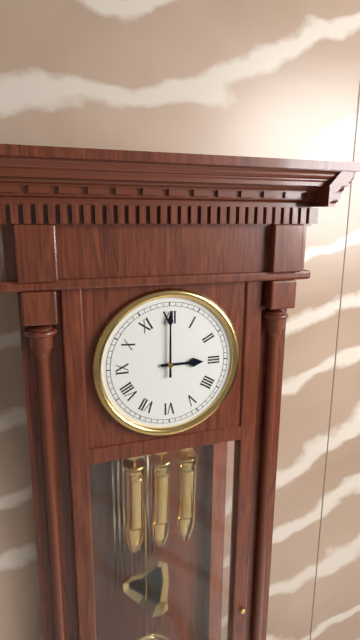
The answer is 3h00
